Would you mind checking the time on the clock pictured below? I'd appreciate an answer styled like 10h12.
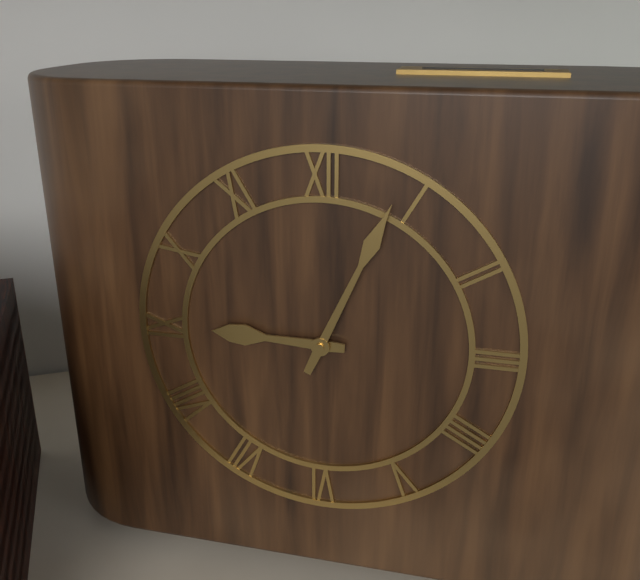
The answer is 9h04
